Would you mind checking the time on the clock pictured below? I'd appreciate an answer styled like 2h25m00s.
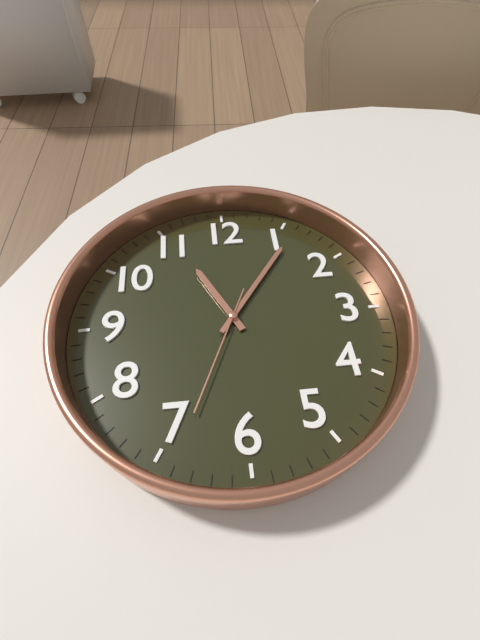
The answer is 11h06m34s
